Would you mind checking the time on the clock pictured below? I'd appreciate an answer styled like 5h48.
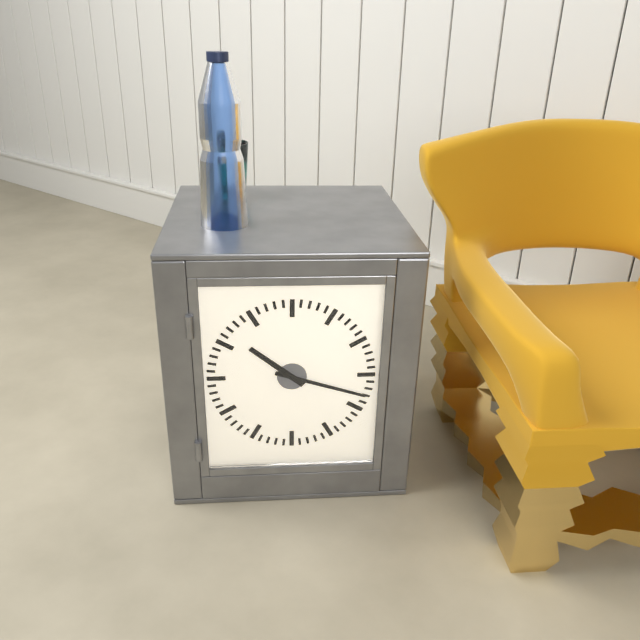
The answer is 10h18
